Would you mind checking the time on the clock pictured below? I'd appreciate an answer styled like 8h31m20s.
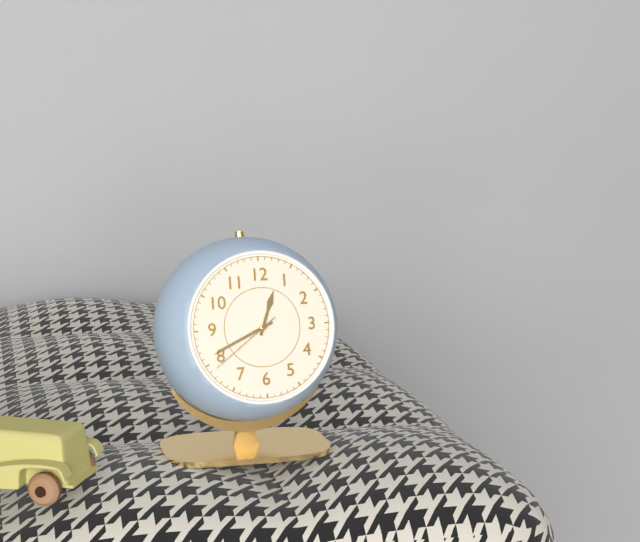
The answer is 12h41m39s
